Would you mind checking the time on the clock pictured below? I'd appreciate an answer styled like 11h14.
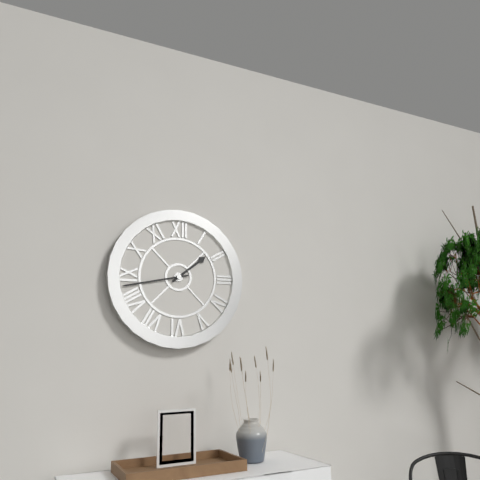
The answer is 1h43
